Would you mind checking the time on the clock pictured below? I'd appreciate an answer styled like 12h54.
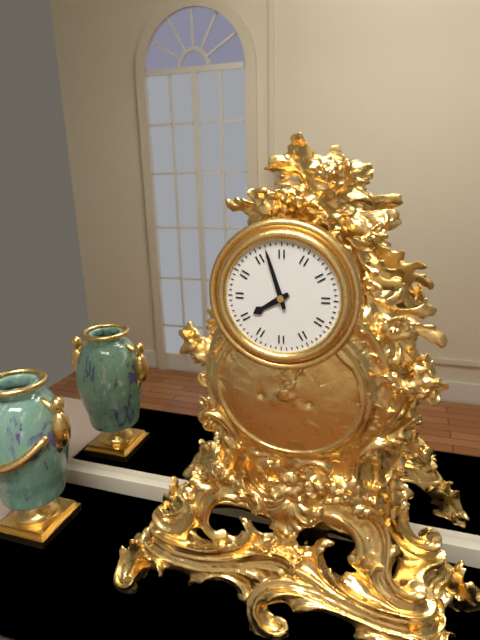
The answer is 7h57
